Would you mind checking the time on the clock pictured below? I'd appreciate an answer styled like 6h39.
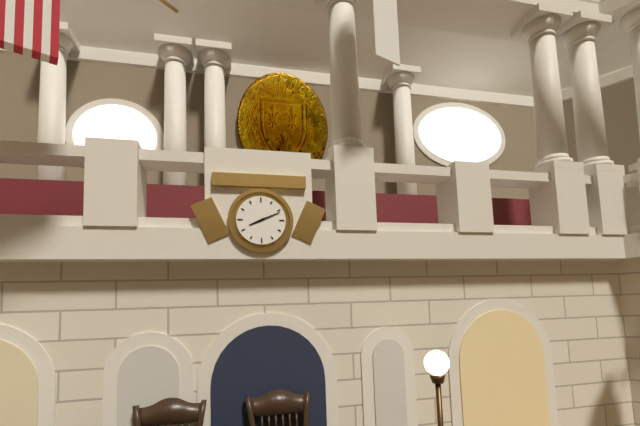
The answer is 8h11
